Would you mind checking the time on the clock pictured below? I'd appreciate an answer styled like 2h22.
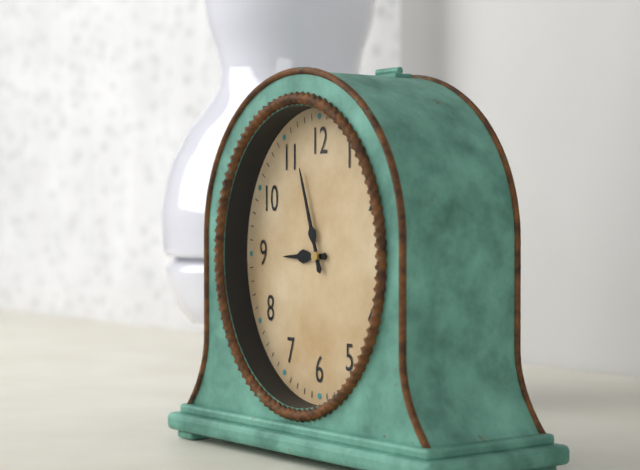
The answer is 8h57
